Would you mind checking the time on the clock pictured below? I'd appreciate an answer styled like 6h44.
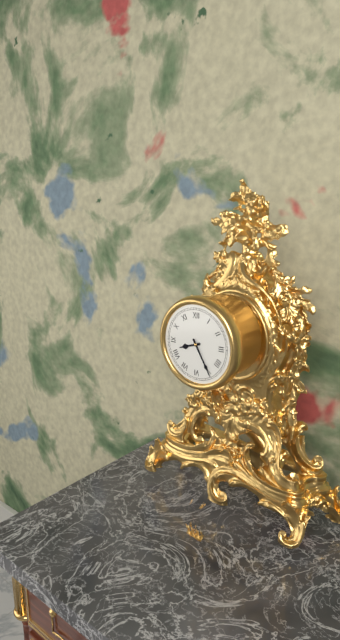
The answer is 8h25
